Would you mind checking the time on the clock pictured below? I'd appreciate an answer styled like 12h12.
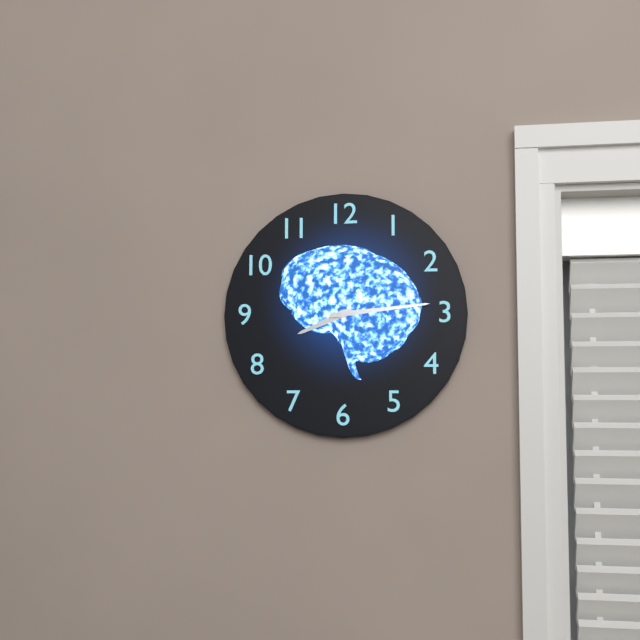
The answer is 8h14
